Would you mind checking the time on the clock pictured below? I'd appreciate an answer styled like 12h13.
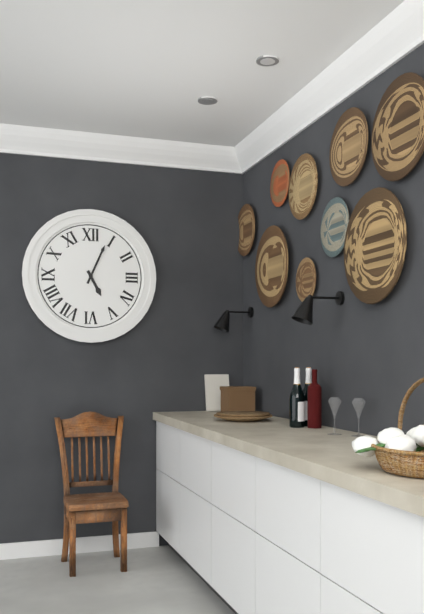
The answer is 5h04
